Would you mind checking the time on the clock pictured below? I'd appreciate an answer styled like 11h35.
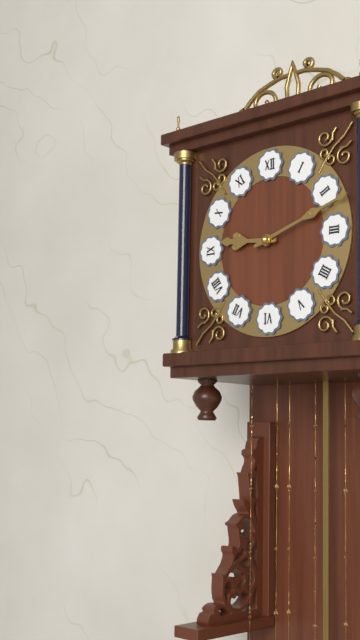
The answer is 9h12
